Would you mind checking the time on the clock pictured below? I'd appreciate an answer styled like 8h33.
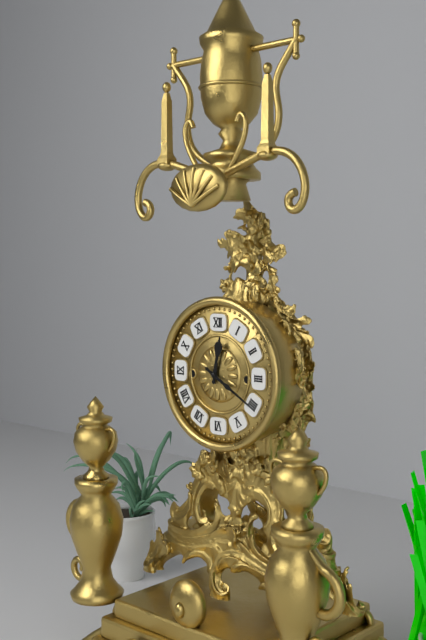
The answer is 12h20
